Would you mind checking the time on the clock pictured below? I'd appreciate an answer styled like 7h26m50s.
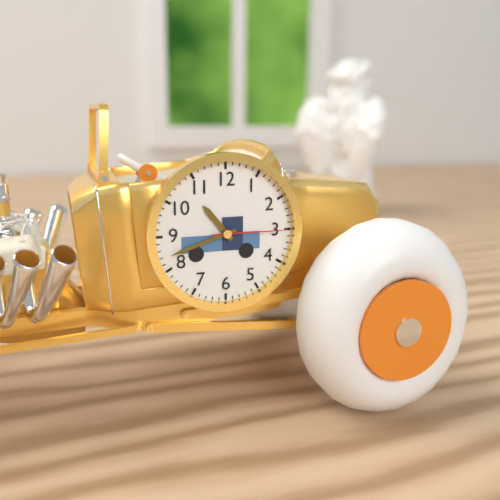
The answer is 10h42m15s
